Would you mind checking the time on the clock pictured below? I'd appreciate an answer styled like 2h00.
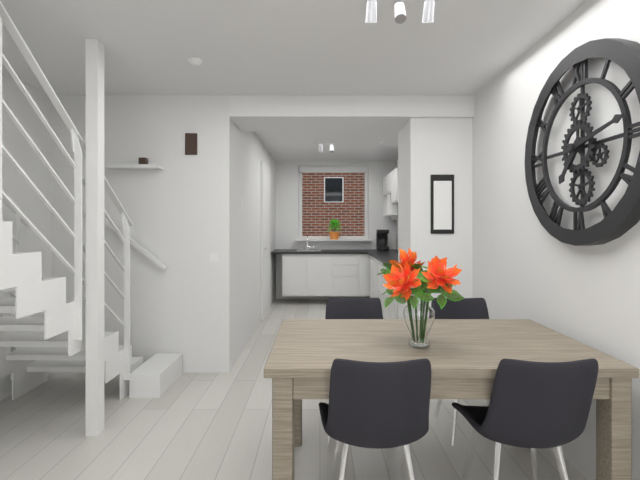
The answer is 7h13
